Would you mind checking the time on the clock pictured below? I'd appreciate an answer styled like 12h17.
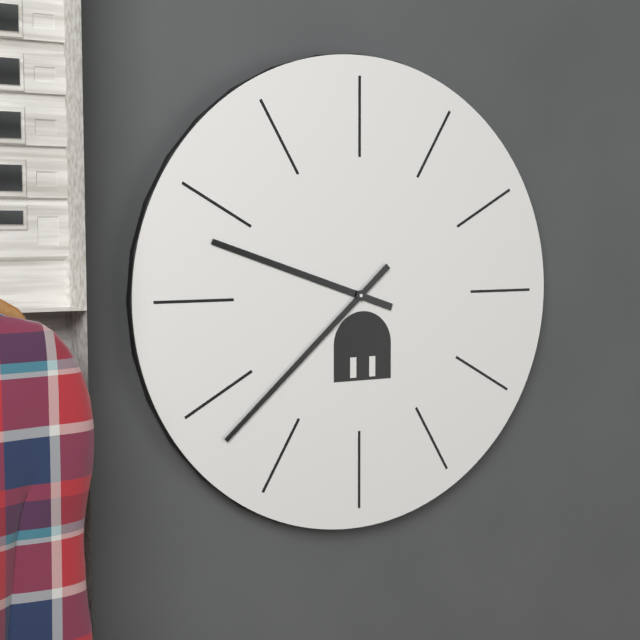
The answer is 9h38
